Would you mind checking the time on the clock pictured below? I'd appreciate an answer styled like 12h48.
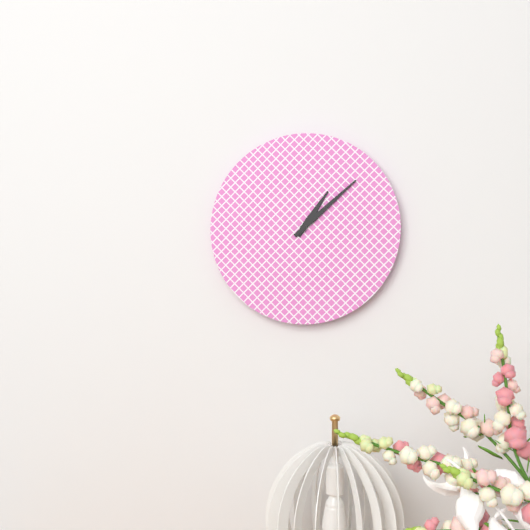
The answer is 1h08
